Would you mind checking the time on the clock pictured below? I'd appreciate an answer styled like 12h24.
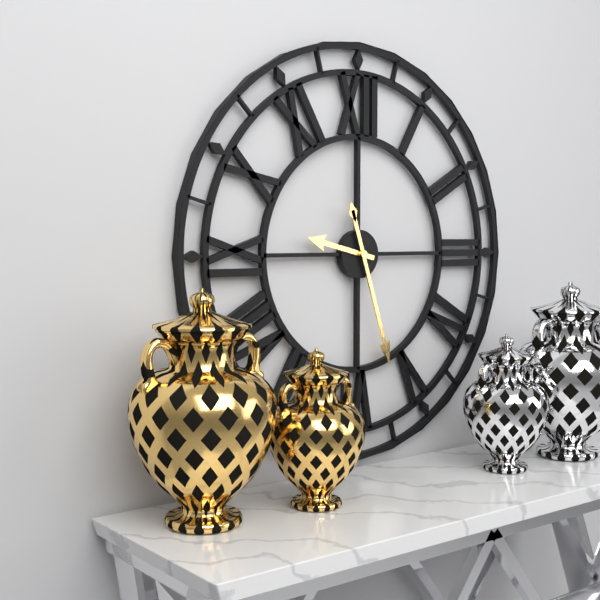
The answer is 9h27
